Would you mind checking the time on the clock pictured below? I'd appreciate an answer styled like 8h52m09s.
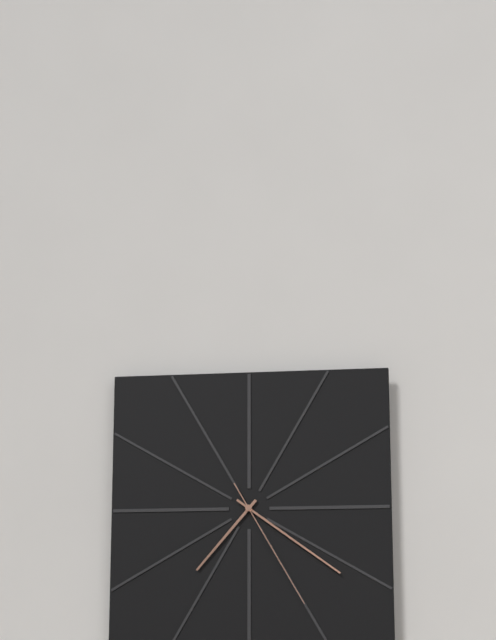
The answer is 7h21m25s
